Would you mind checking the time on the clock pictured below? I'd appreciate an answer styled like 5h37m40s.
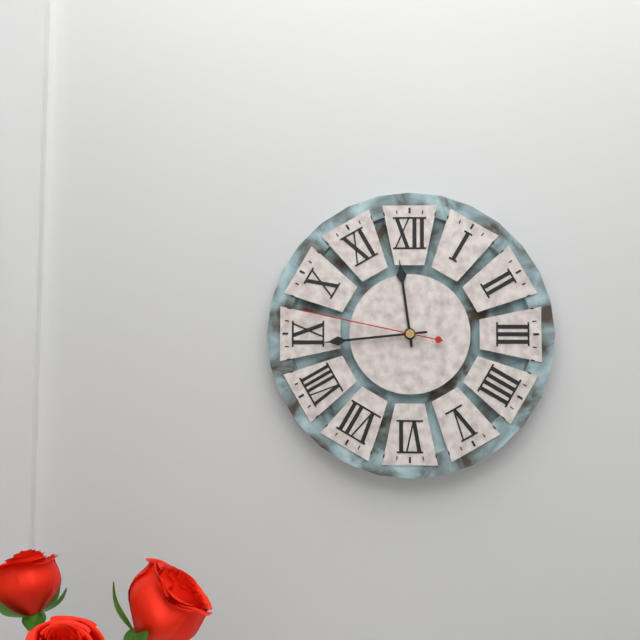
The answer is 11h44m47s
